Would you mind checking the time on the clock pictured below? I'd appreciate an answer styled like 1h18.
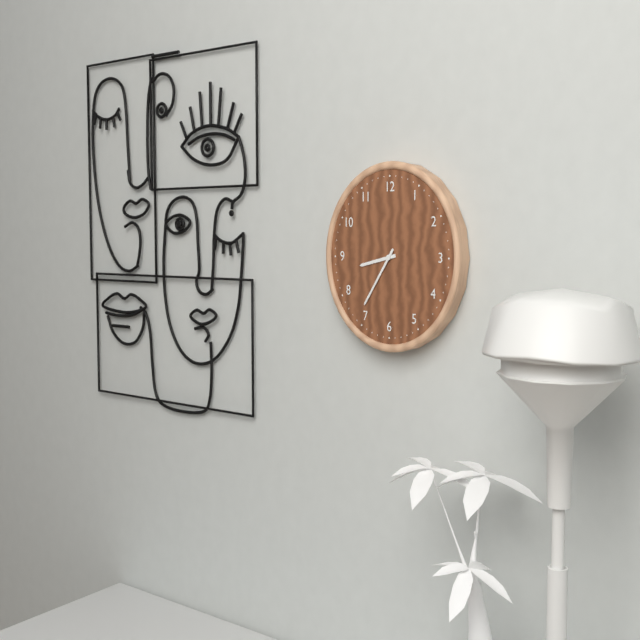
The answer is 8h36
